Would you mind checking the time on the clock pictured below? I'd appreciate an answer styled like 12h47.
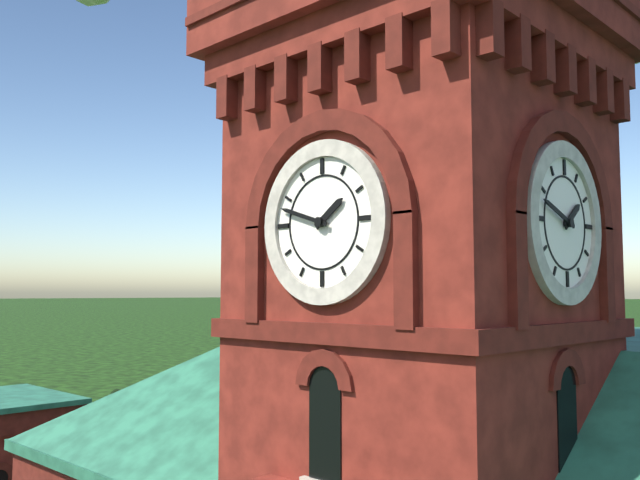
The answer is 1h48
